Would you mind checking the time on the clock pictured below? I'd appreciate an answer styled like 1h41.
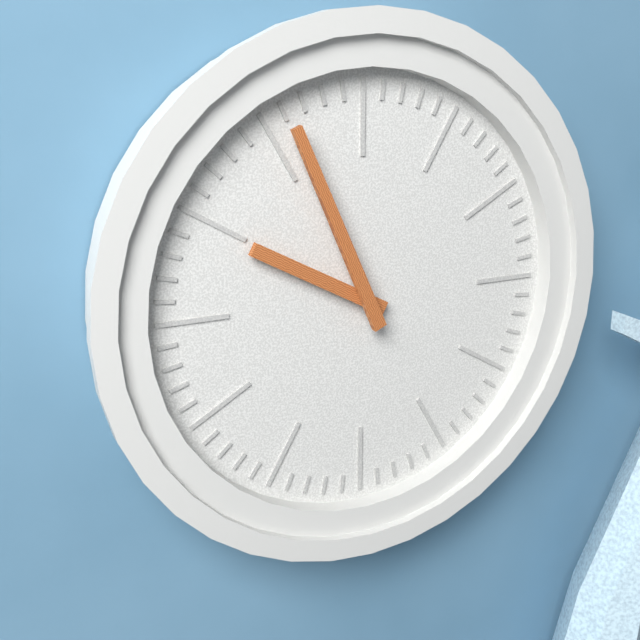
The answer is 9h56
